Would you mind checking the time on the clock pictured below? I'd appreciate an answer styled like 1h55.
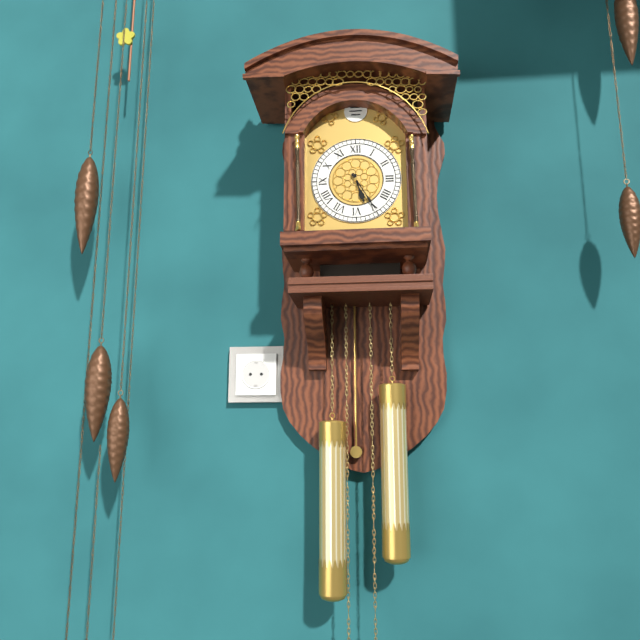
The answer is 5h25
